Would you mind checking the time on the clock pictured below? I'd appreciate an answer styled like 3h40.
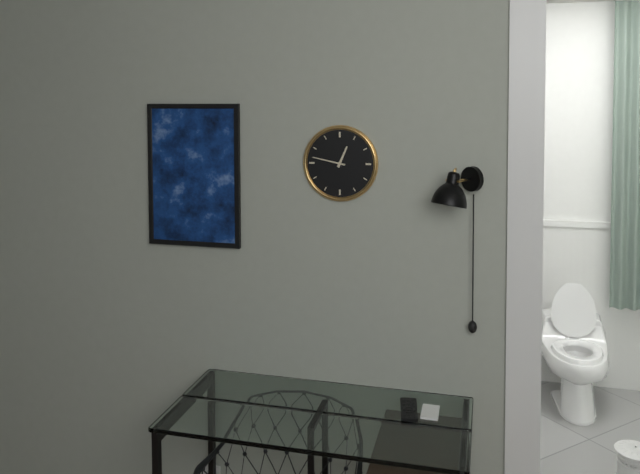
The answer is 12h47
